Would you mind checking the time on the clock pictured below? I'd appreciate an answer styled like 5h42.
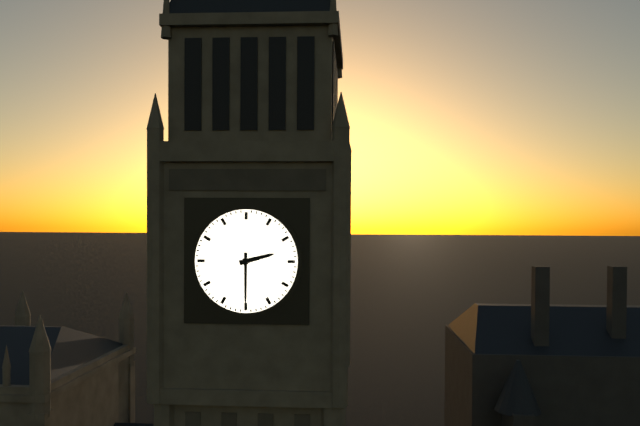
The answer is 2h30
